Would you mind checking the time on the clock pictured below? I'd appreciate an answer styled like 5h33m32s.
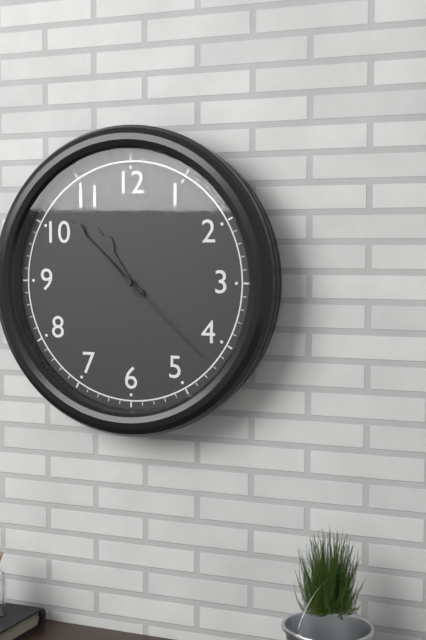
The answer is 10h52m22s
